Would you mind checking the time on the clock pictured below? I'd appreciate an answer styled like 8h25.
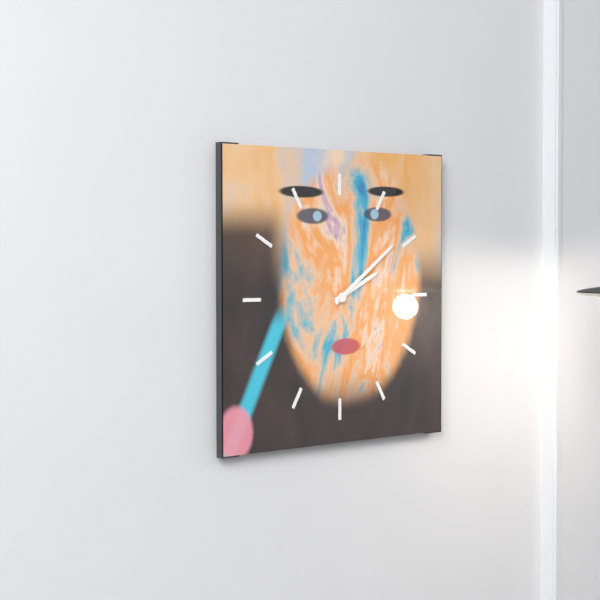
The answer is 2h09
